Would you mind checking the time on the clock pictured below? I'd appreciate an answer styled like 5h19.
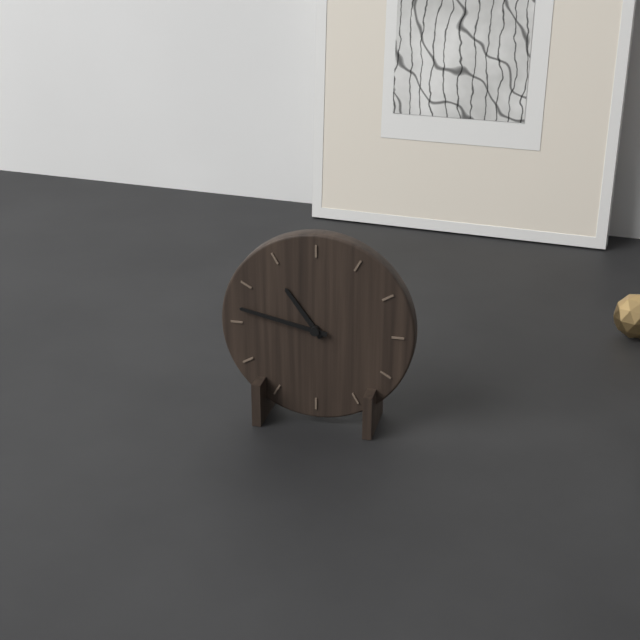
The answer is 10h47
